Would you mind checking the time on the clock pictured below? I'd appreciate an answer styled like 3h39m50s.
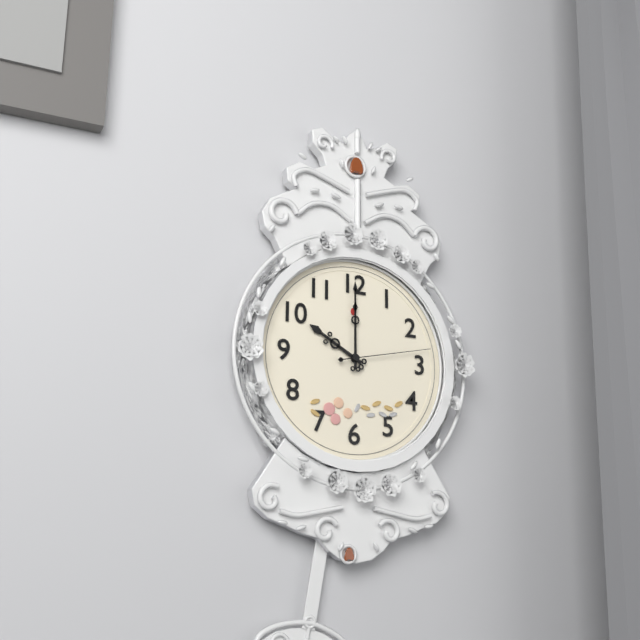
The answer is 10h00m13s
